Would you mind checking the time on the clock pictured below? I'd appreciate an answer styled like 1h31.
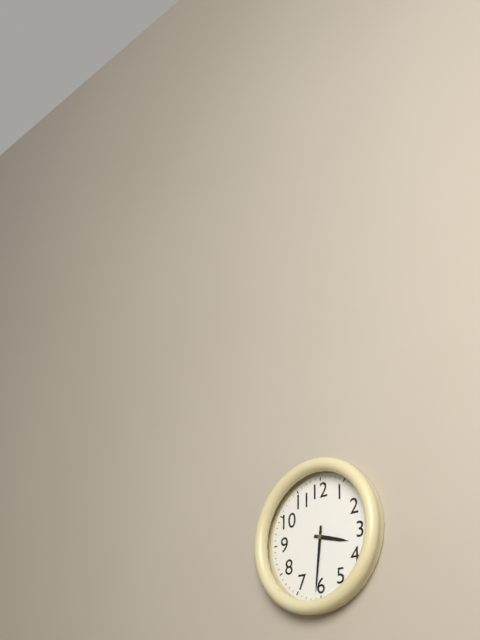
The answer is 3h31
